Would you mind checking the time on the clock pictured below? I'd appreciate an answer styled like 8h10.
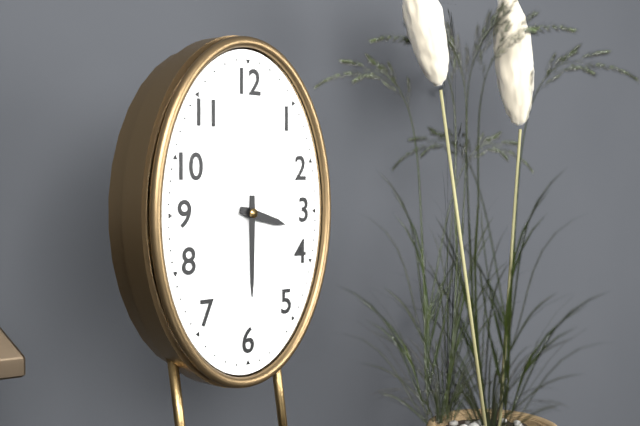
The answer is 3h30
